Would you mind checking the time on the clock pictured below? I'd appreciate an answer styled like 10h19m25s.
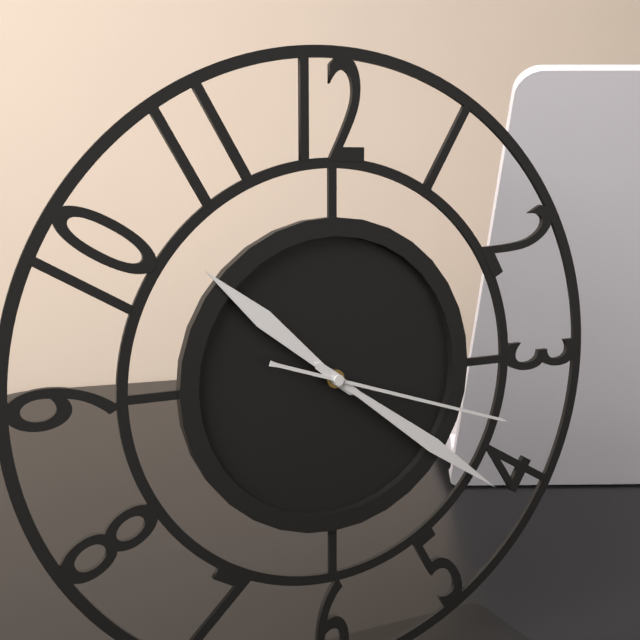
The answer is 10h21m18s
